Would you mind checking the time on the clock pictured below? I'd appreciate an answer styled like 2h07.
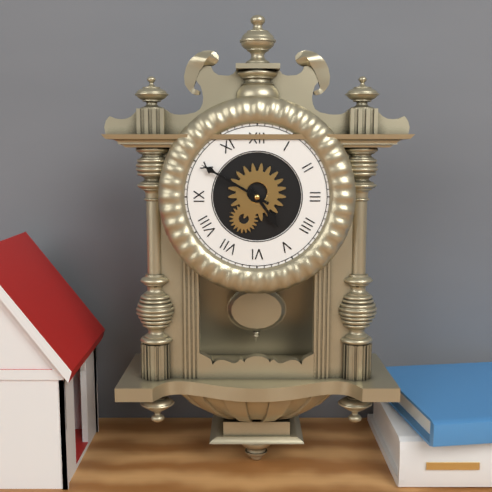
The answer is 4h50
